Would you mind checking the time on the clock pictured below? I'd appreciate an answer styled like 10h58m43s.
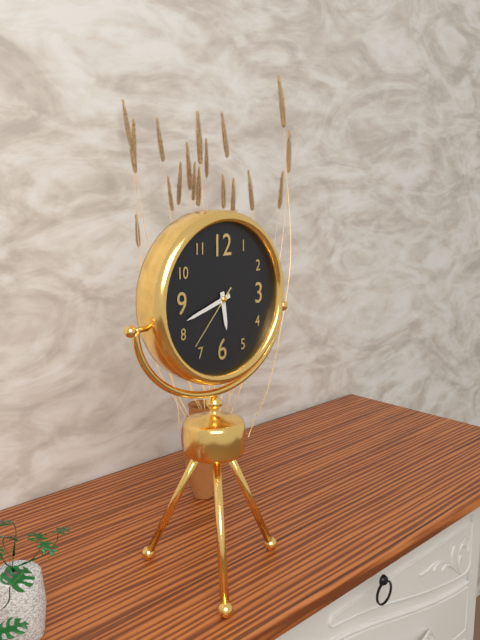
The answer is 5h42m37s
